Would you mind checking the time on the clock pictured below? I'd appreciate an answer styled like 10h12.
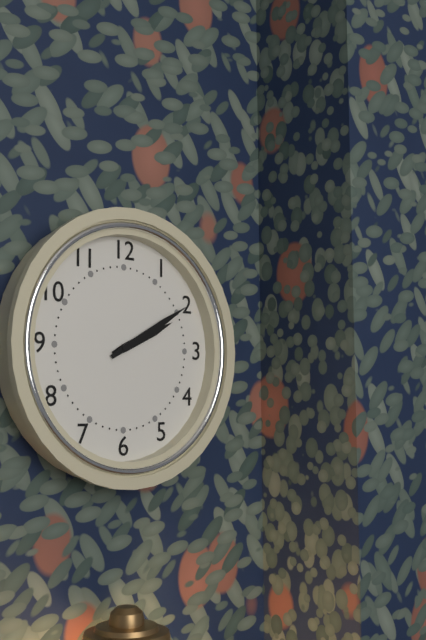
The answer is 2h10
